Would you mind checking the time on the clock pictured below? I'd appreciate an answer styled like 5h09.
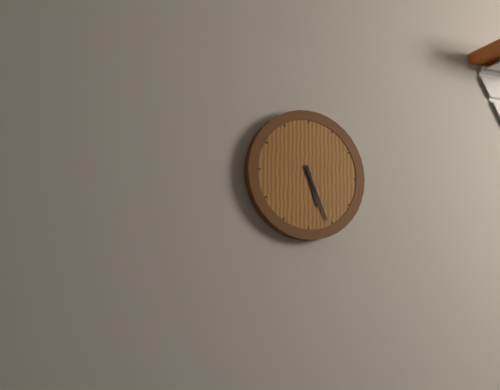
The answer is 5h26
